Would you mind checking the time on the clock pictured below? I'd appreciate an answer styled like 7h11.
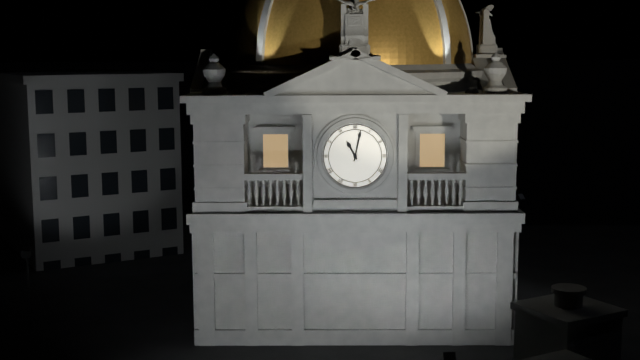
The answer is 11h02
